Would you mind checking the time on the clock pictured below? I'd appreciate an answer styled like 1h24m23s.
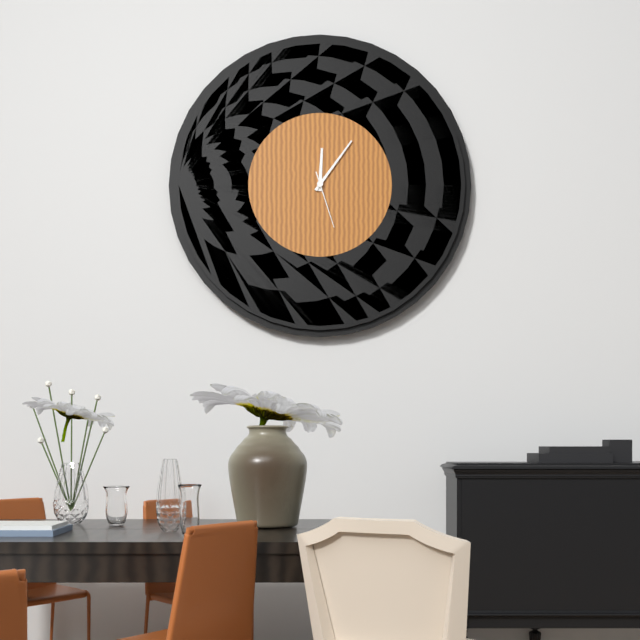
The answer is 12h06m27s
